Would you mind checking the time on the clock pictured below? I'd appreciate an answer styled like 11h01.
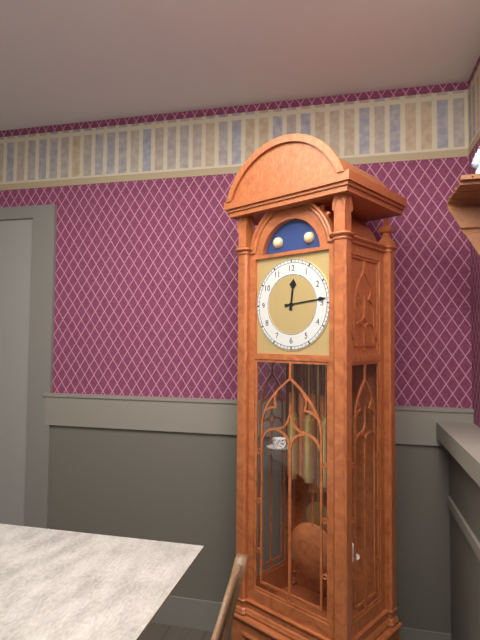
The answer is 12h14
